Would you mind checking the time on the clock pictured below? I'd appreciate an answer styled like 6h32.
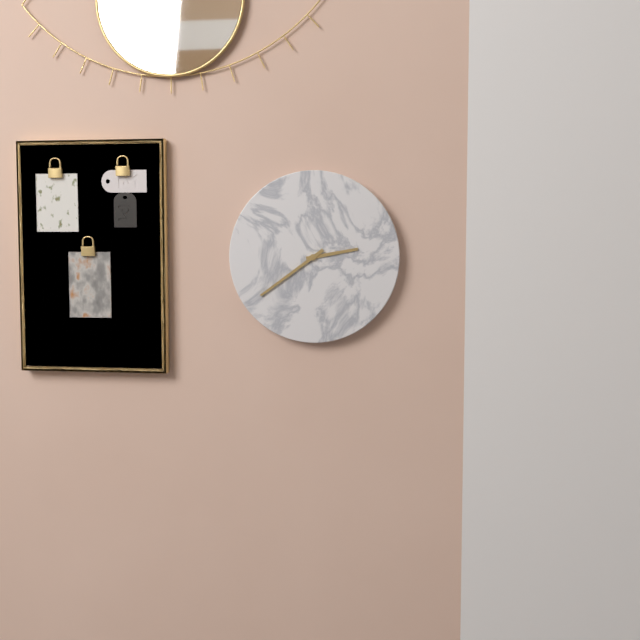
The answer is 2h39
